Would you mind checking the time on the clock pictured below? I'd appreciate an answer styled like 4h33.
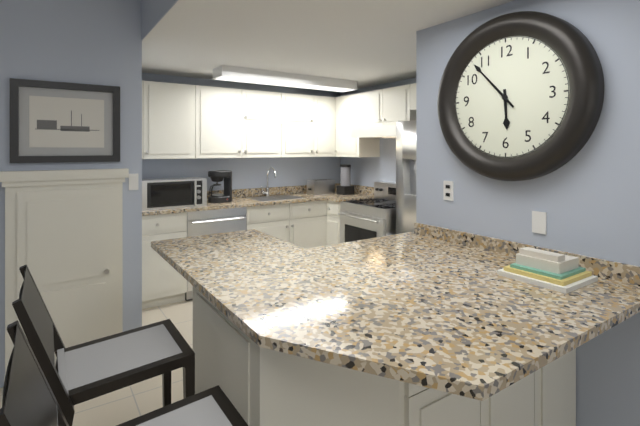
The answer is 5h53
